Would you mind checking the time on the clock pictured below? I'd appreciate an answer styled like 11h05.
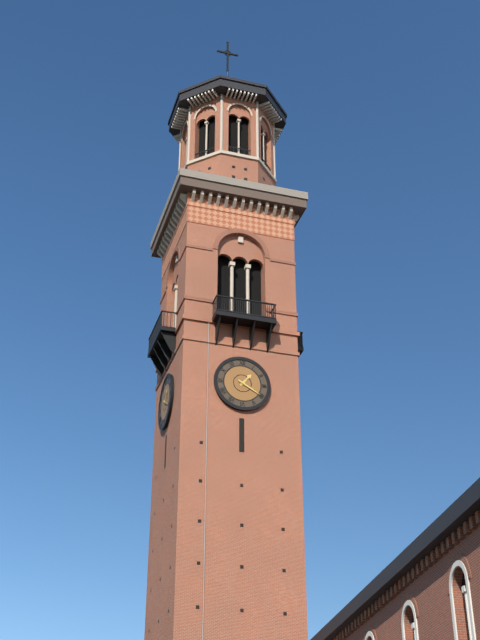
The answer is 1h20
